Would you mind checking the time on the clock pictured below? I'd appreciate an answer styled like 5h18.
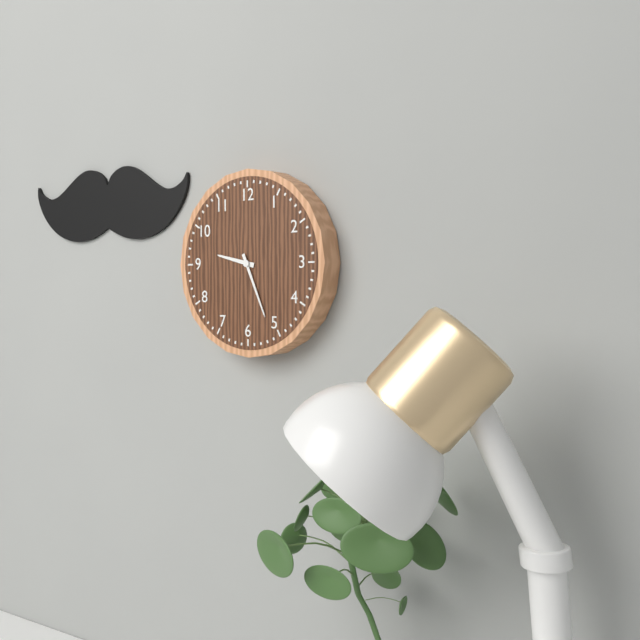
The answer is 9h26
